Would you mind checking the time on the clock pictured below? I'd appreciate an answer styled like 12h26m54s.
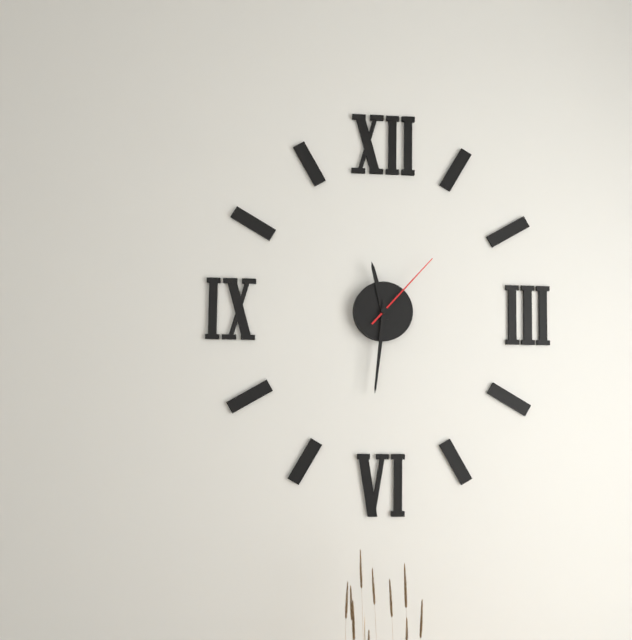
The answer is 11h31m07s
